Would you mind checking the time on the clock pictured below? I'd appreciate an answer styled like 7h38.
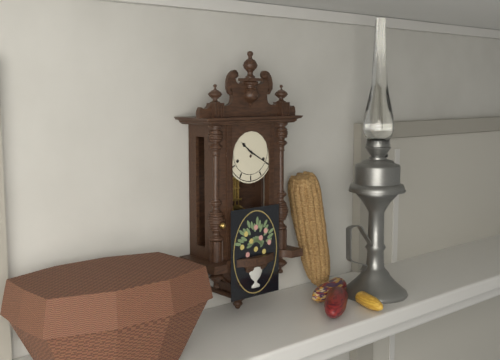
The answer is 10h20
